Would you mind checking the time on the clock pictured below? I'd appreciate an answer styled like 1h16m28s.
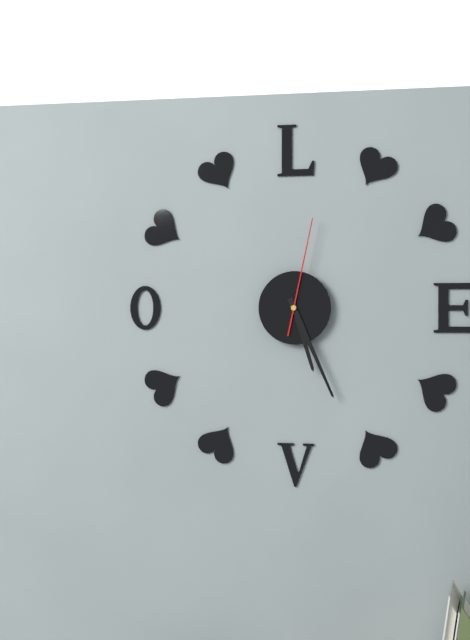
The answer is 5h26m02s
